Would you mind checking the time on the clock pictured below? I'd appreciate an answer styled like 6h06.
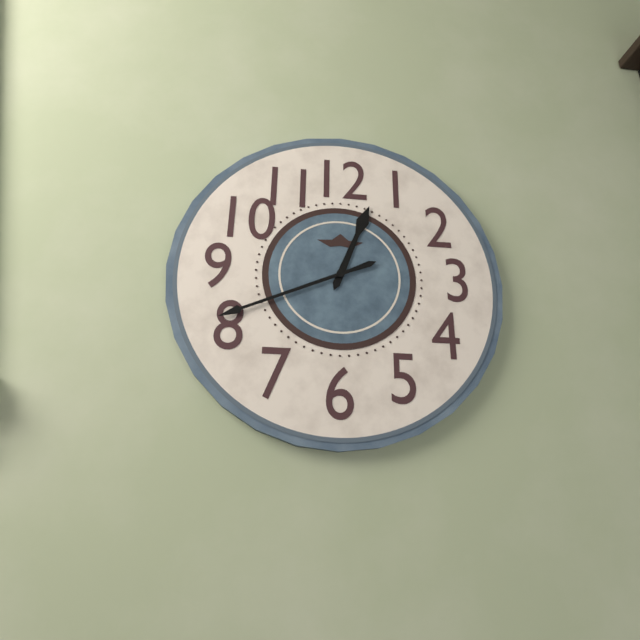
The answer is 12h41
